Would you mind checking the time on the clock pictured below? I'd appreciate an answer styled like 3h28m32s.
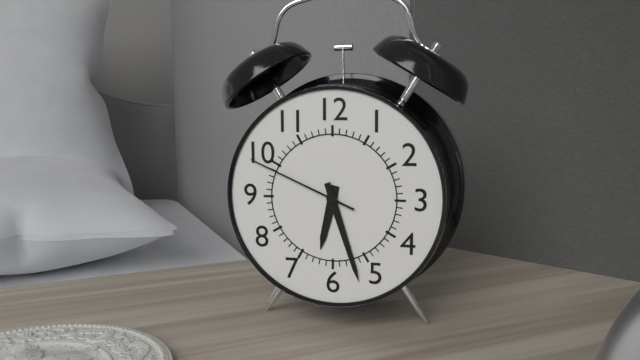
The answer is 6h27m49s
